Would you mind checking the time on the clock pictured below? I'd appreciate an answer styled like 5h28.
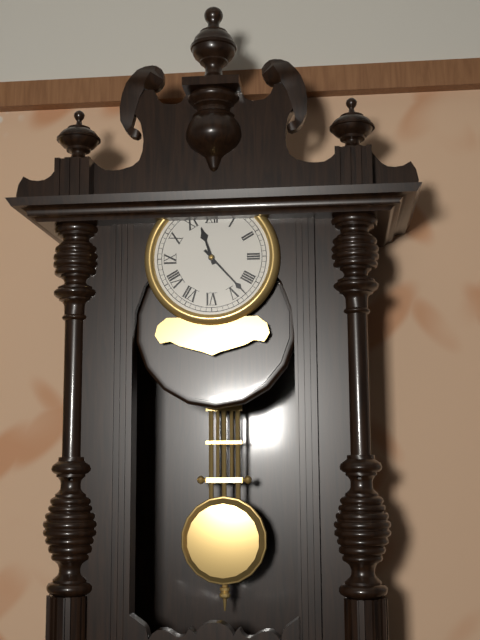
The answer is 11h23
